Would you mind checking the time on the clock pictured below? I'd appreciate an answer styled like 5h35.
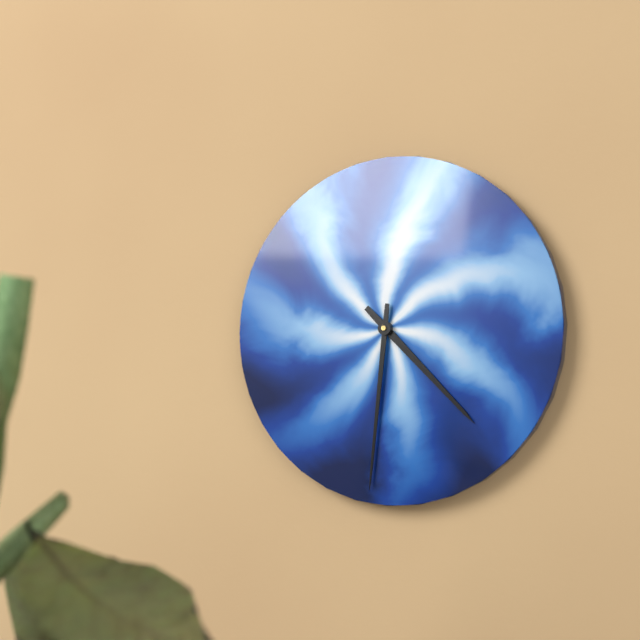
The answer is 4h31
